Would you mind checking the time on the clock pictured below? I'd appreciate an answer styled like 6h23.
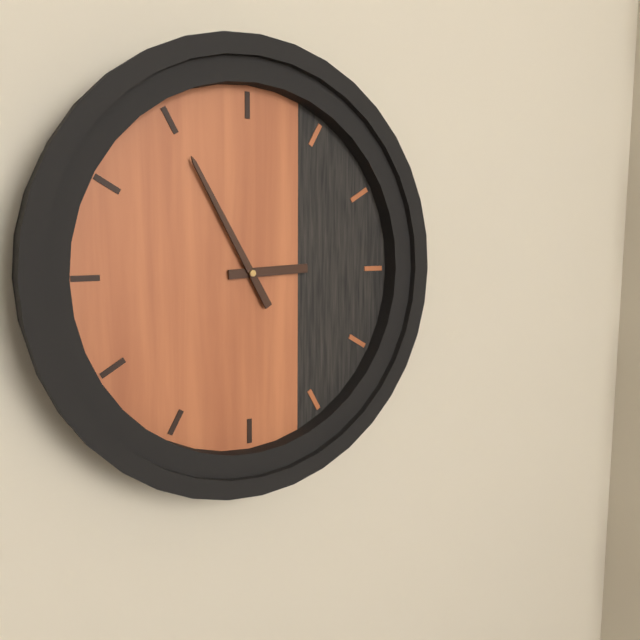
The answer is 2h55
